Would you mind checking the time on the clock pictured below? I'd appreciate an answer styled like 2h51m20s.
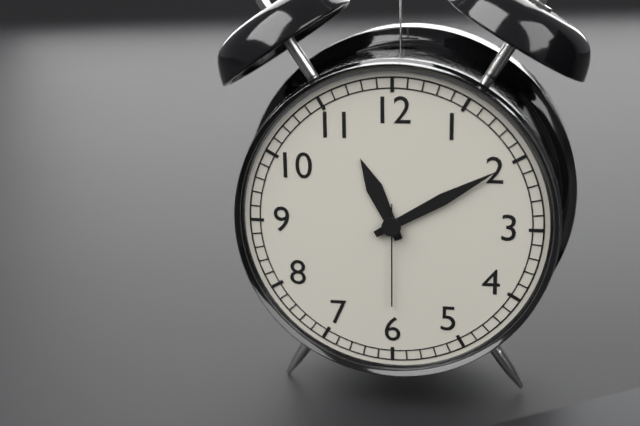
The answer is 11h10m30s
